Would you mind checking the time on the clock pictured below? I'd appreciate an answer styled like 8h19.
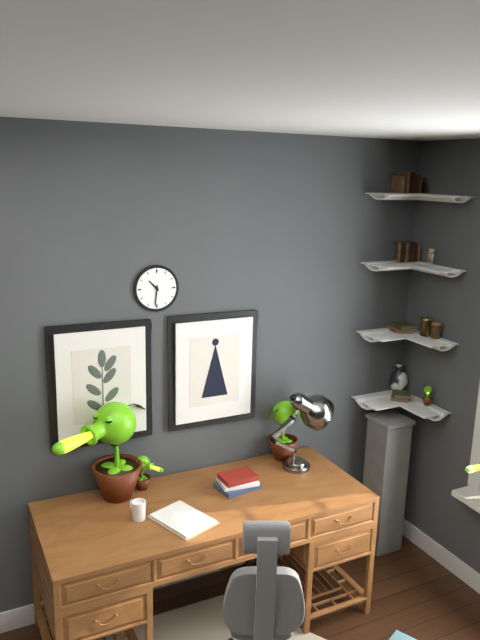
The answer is 10h31
